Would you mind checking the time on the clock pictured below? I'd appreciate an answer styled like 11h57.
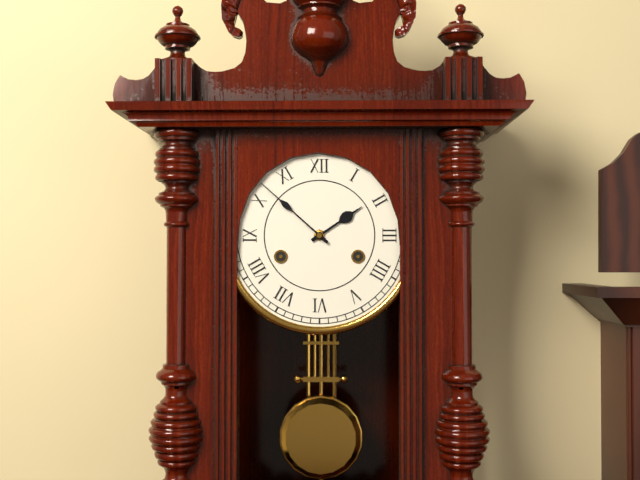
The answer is 1h52
